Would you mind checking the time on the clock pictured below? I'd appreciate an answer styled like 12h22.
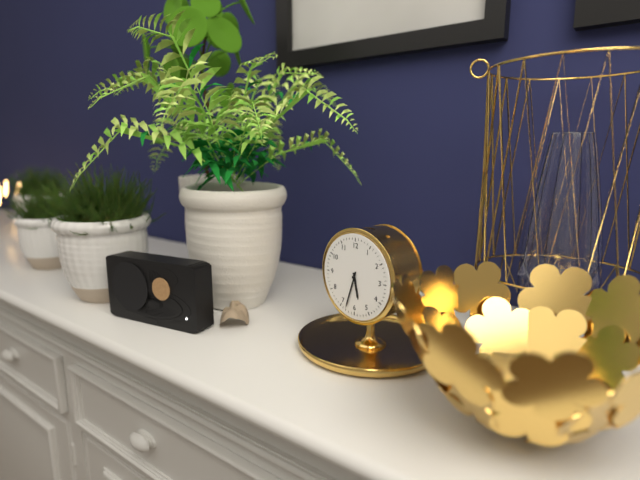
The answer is 5h33
